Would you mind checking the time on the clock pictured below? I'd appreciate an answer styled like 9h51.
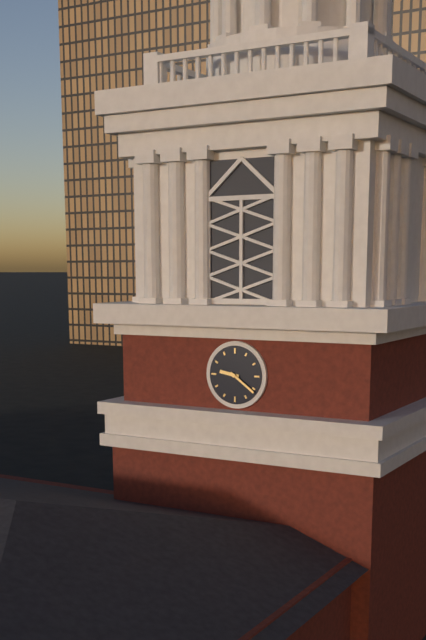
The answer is 9h21
